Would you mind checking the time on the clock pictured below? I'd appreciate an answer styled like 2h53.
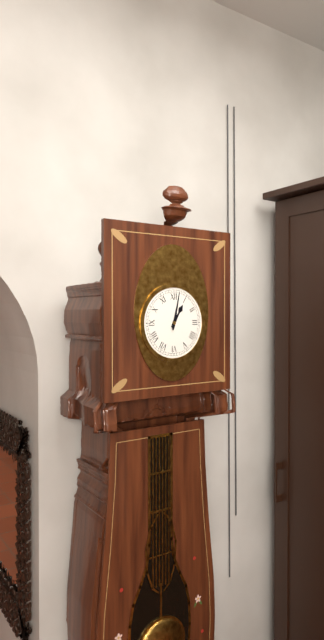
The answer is 1h02
